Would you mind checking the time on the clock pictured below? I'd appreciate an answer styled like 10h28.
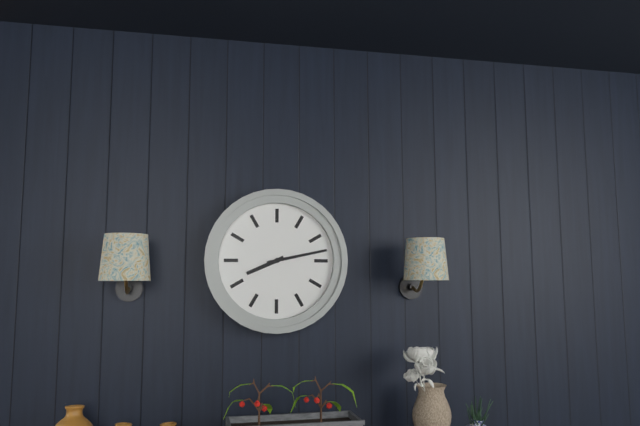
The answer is 8h13
